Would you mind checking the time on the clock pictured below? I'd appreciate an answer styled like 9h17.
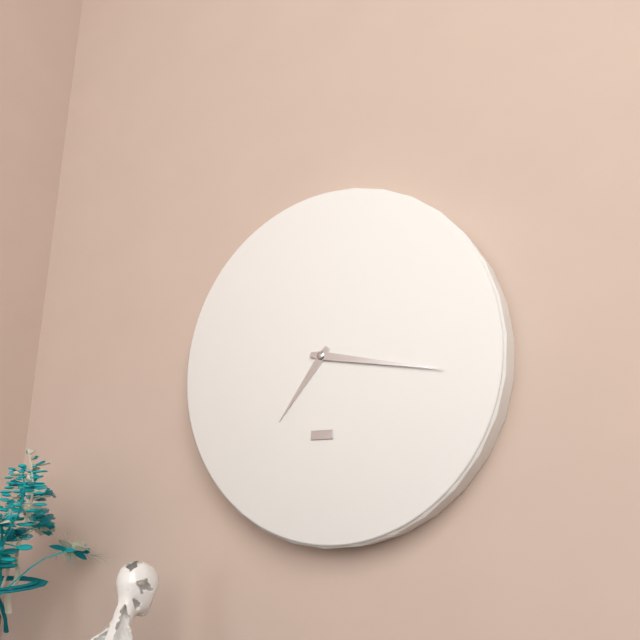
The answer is 7h17
